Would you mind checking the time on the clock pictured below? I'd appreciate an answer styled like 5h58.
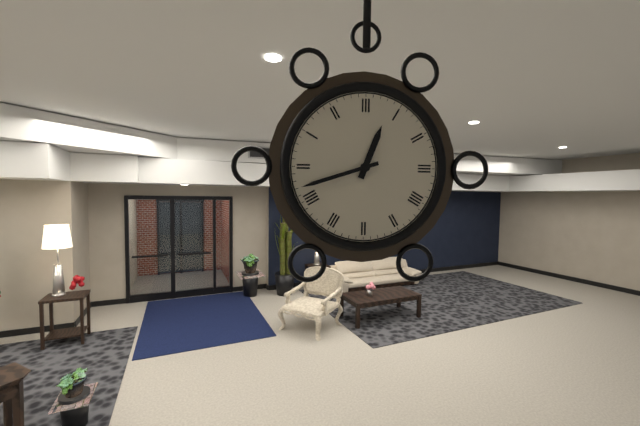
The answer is 12h42
